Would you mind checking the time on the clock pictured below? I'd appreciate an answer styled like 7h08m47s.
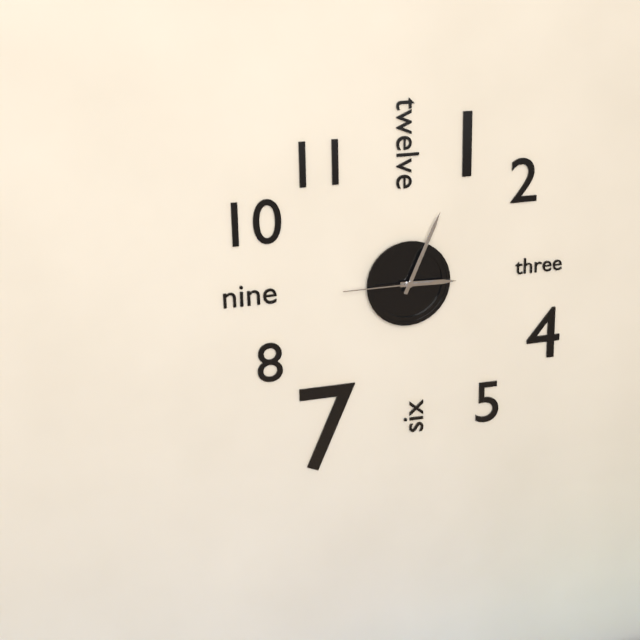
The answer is 3h04m45s
